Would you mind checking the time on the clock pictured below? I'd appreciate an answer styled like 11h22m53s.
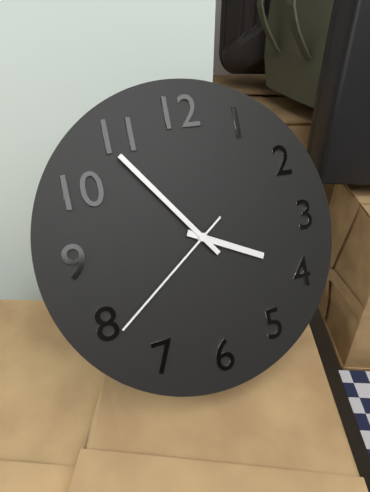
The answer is 3h54m39s
